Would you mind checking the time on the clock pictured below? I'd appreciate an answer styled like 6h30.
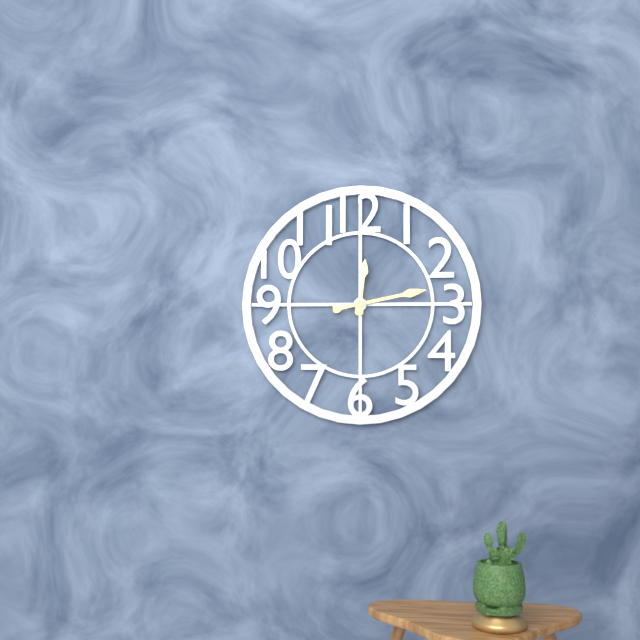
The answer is 12h13
